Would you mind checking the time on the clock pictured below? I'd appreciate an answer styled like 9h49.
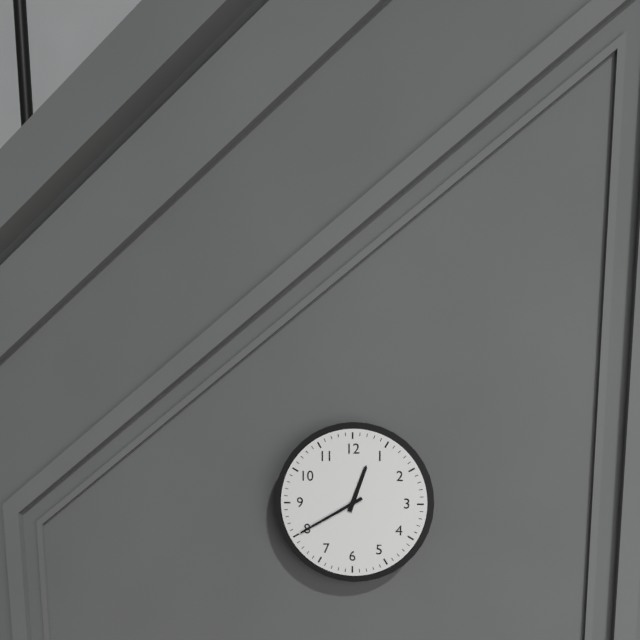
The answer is 12h40
